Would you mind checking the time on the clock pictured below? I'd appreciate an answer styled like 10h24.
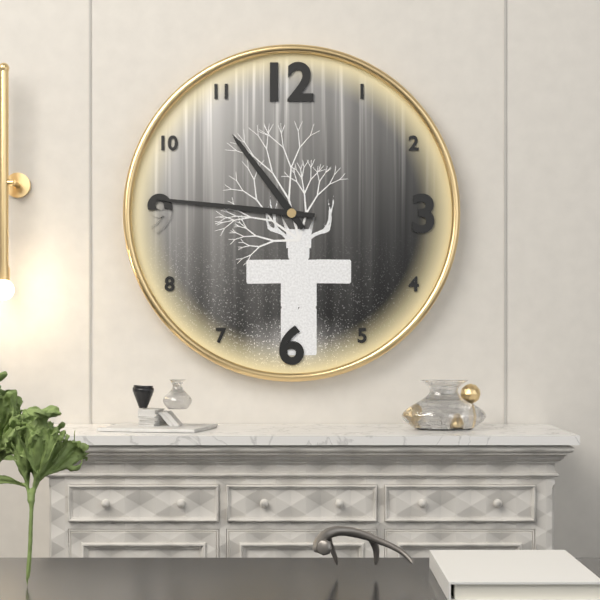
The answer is 10h46
